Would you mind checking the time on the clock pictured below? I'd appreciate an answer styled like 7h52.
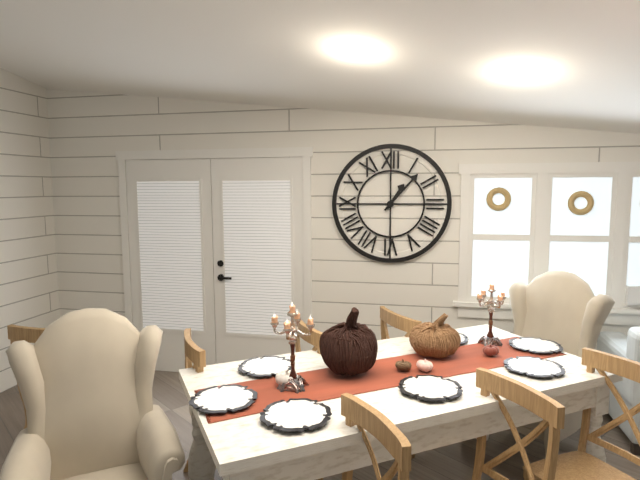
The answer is 1h07
